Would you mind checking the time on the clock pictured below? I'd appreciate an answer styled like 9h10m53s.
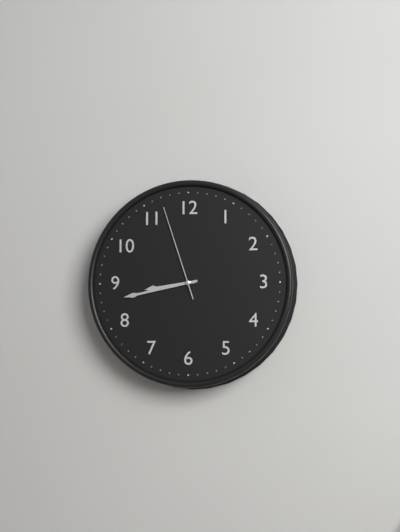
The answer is 8h43m57s
